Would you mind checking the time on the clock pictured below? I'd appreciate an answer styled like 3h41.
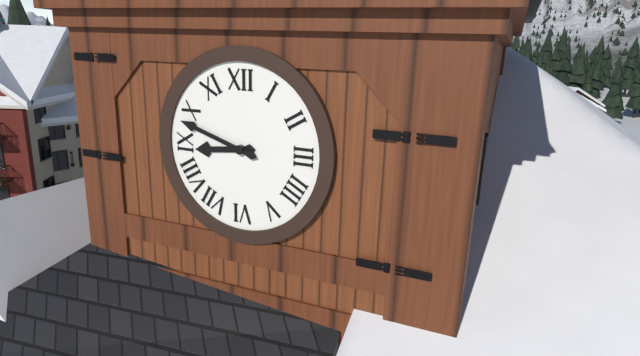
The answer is 8h48
